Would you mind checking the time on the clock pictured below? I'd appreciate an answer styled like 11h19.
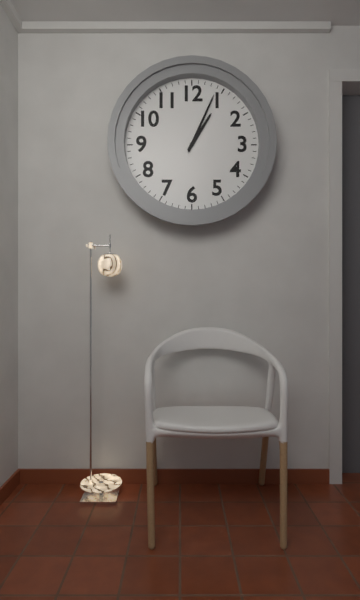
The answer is 1h04
